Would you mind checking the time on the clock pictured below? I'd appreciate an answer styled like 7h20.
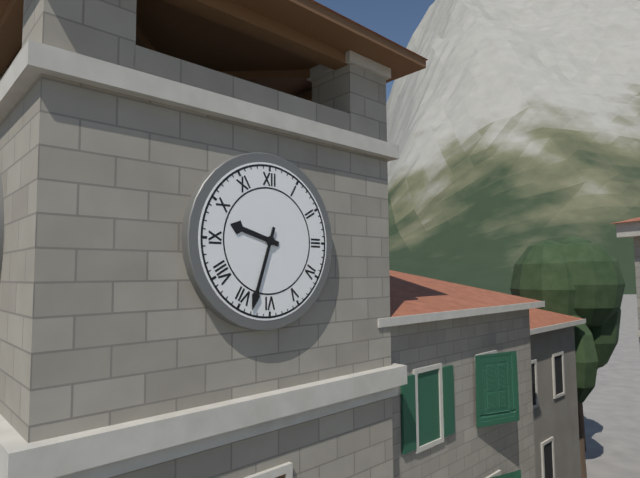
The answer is 9h33
